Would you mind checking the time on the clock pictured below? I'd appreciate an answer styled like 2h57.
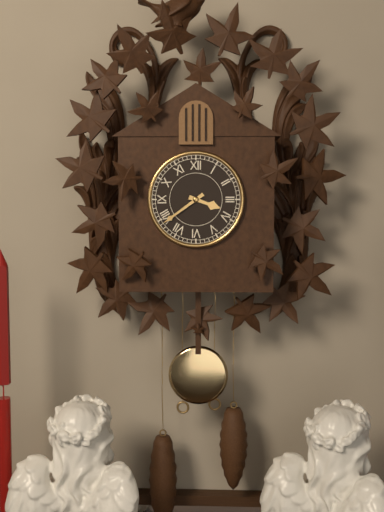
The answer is 3h39
